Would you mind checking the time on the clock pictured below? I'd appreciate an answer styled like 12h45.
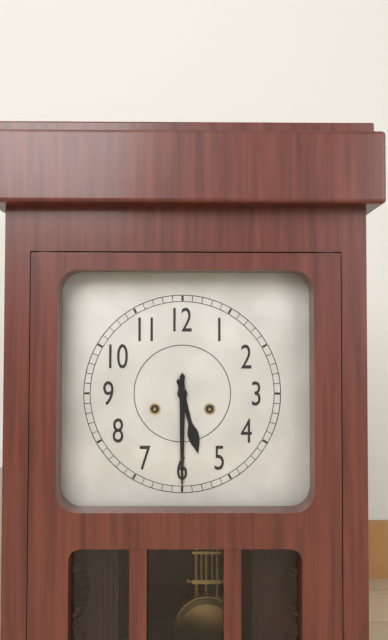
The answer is 5h30
